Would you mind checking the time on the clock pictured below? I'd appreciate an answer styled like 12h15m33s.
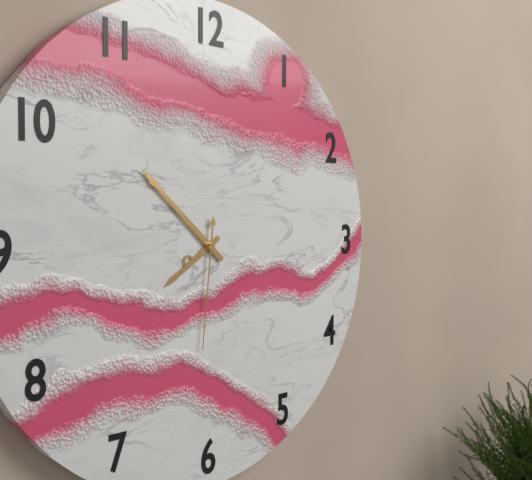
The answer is 7h52m31s
